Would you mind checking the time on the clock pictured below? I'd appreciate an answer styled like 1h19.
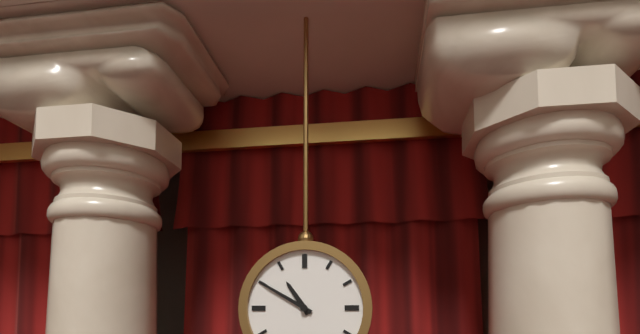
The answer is 10h50
